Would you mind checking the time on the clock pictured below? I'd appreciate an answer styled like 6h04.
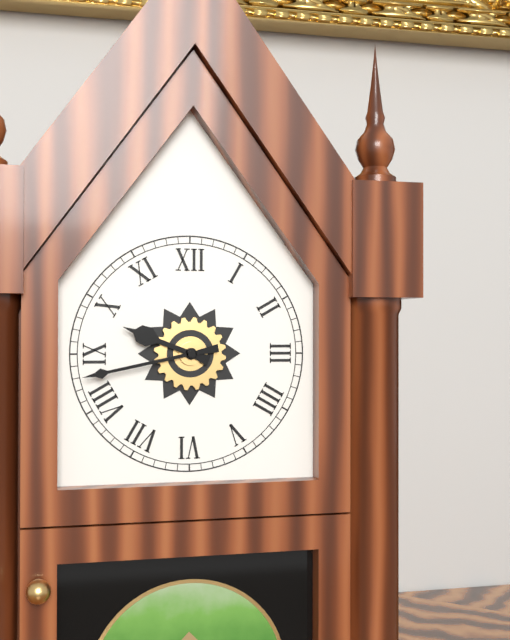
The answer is 9h43
